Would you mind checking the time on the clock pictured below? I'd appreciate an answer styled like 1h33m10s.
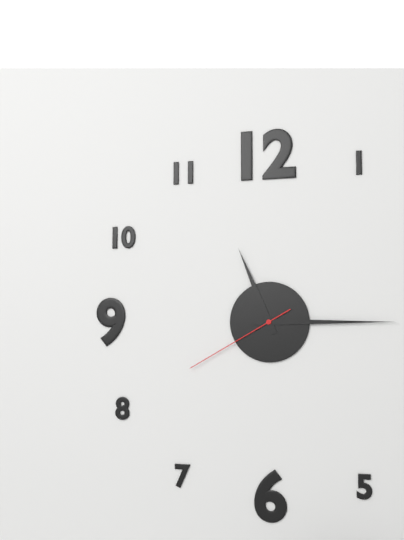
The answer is 11h15m40s
